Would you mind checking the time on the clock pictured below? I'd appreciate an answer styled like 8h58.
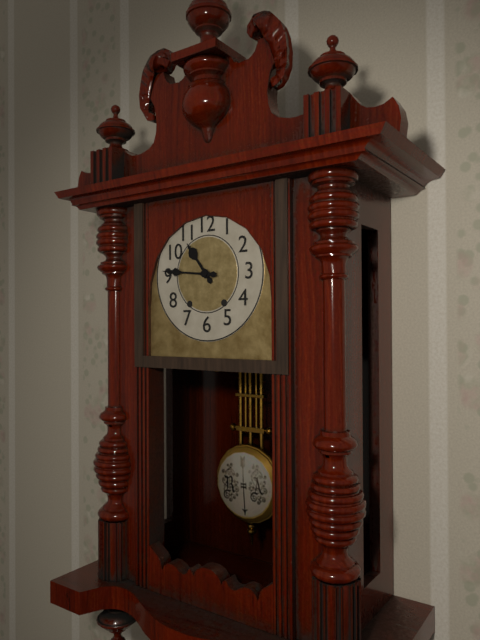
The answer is 10h46
